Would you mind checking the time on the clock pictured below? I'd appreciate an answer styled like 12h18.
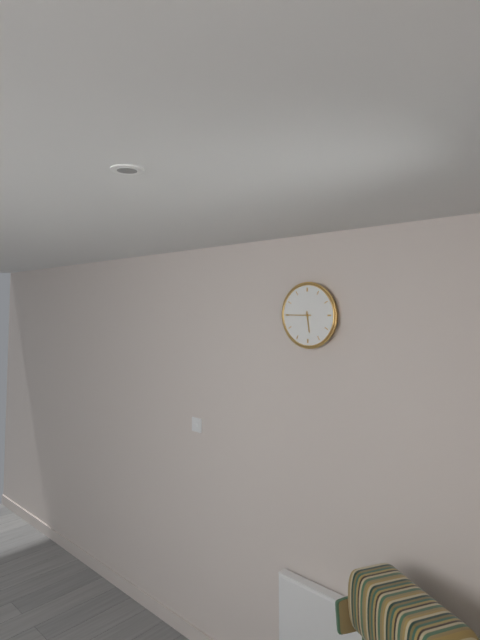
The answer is 5h45
